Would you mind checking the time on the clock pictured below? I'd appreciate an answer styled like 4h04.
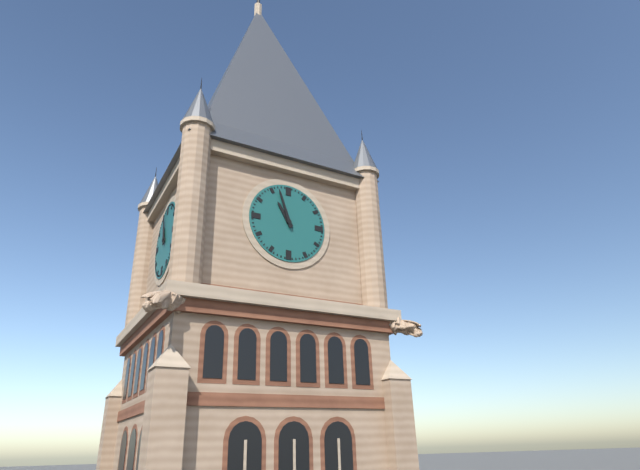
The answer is 10h57
